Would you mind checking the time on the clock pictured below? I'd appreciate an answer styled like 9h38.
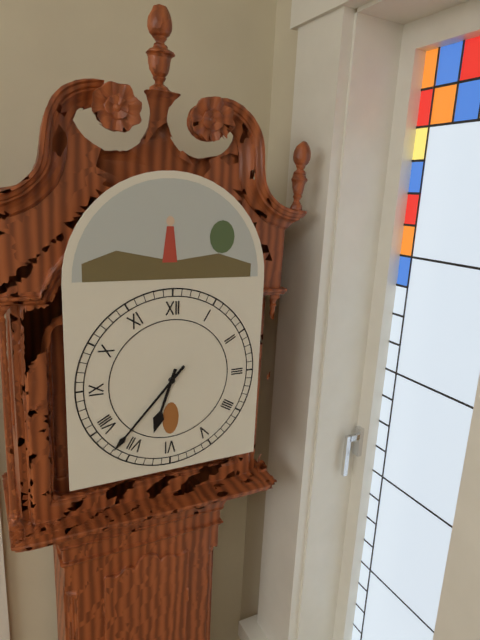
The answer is 6h37
